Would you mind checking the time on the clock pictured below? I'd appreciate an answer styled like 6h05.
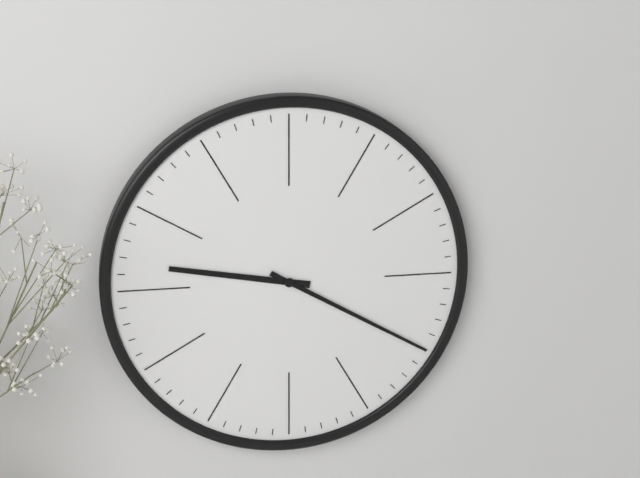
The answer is 9h20
